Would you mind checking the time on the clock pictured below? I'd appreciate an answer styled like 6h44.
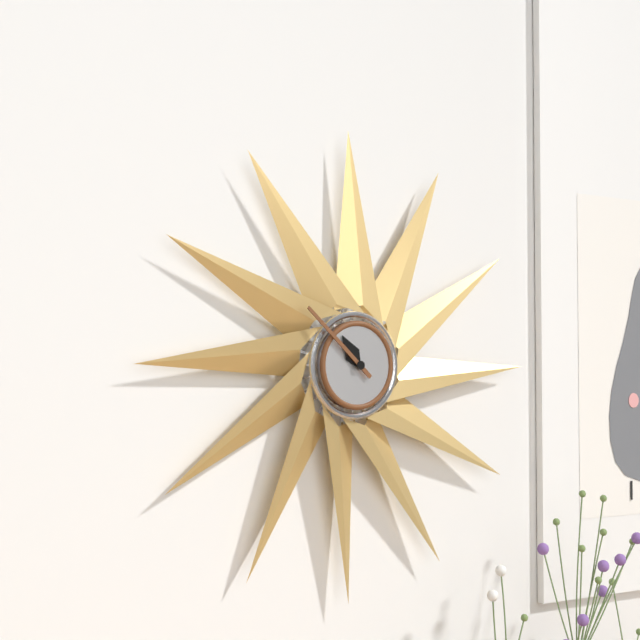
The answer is 10h52
